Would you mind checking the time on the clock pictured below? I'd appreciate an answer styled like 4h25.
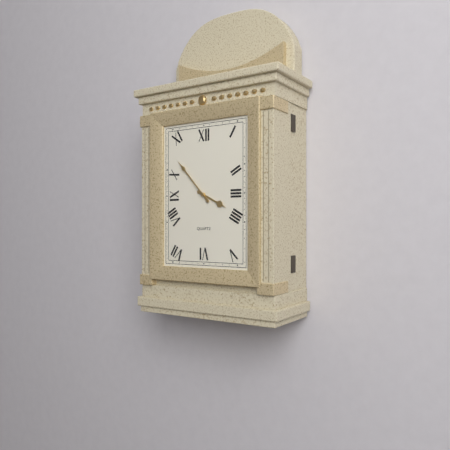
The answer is 3h53
